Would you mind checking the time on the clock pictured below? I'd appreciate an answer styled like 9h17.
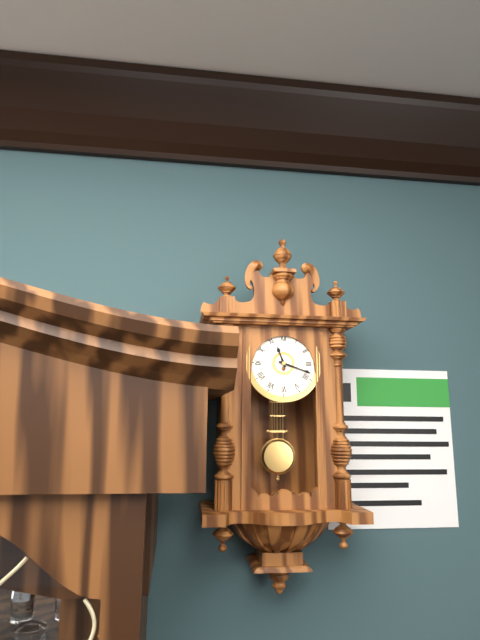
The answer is 11h18
